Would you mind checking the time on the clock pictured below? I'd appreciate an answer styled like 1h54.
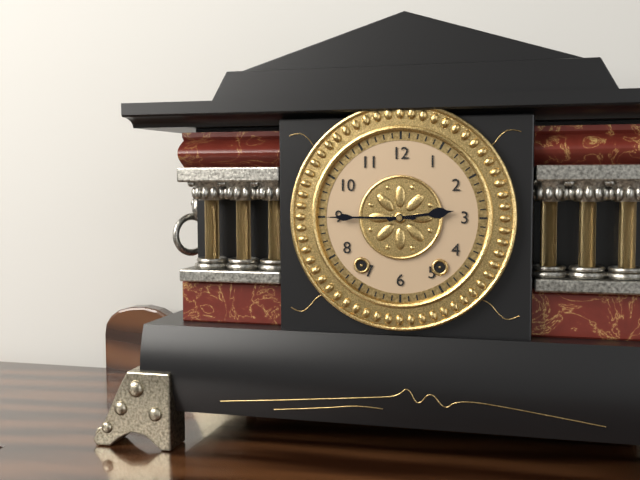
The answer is 2h45
